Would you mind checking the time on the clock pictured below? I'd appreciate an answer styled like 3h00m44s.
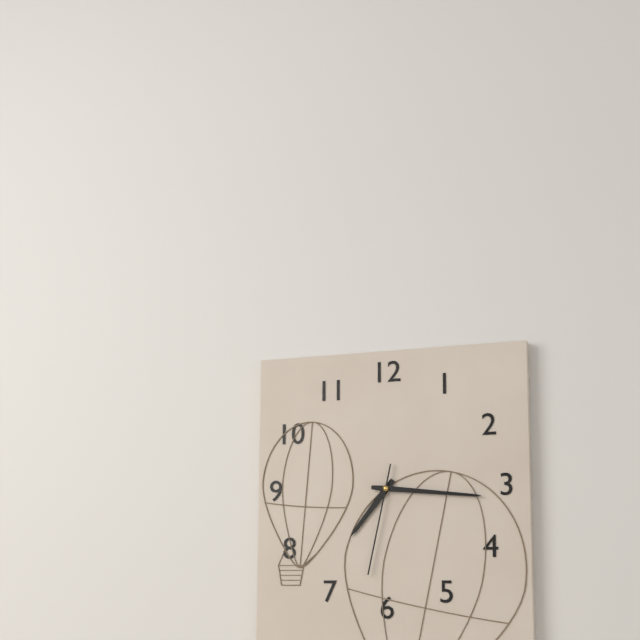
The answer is 7h16m32s
